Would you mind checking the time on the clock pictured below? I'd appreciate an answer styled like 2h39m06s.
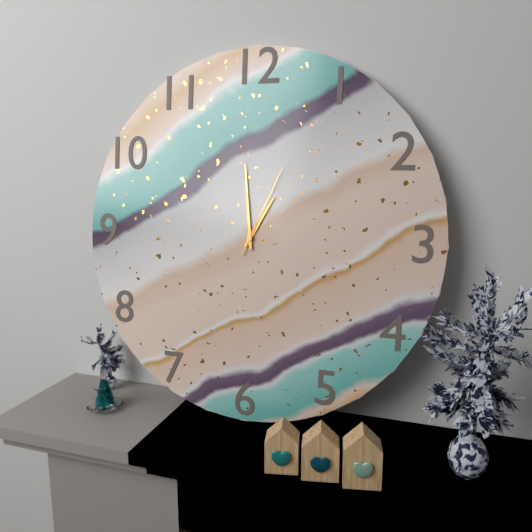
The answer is 12h59m04s
